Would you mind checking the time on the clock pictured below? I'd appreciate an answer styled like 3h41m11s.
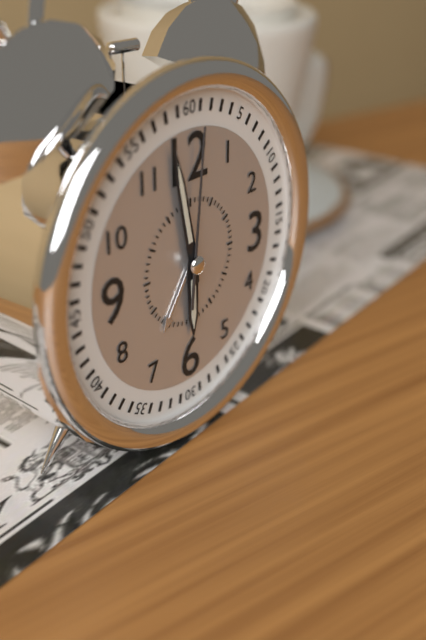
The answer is 5h58m01s
